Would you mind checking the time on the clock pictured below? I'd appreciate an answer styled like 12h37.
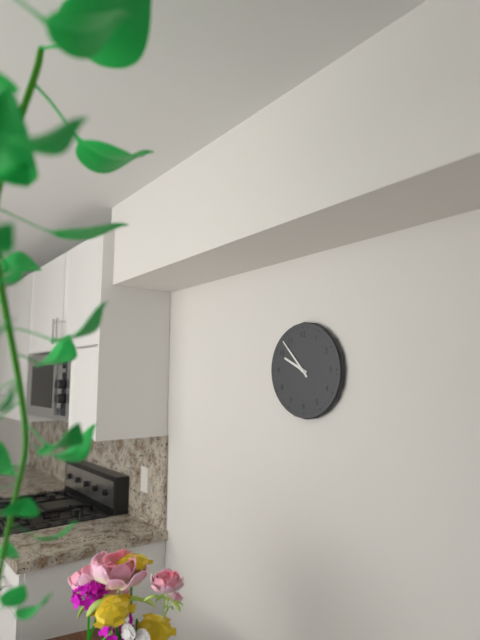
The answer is 9h53
